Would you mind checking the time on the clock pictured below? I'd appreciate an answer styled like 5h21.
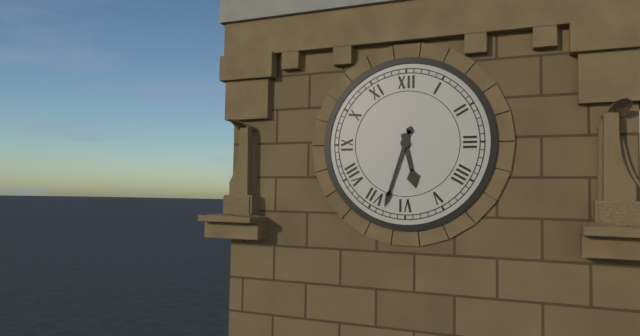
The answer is 5h33
